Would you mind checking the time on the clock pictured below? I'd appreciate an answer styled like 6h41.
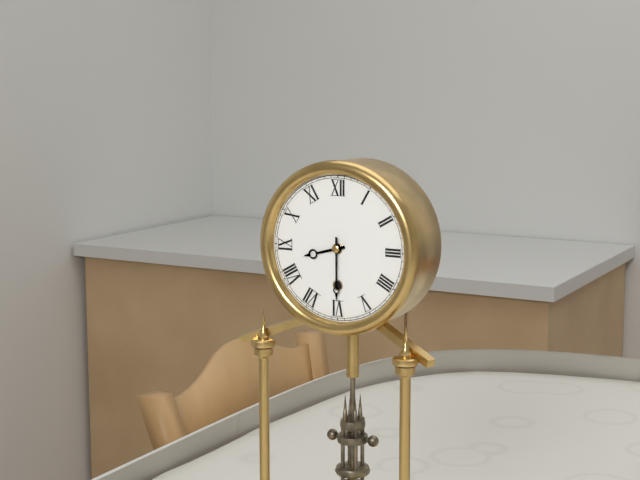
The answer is 8h30
